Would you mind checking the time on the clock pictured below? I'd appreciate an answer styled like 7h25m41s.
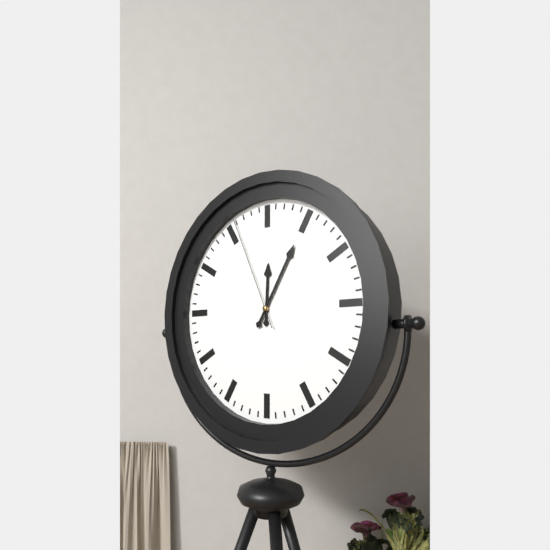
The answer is 12h05m56s
